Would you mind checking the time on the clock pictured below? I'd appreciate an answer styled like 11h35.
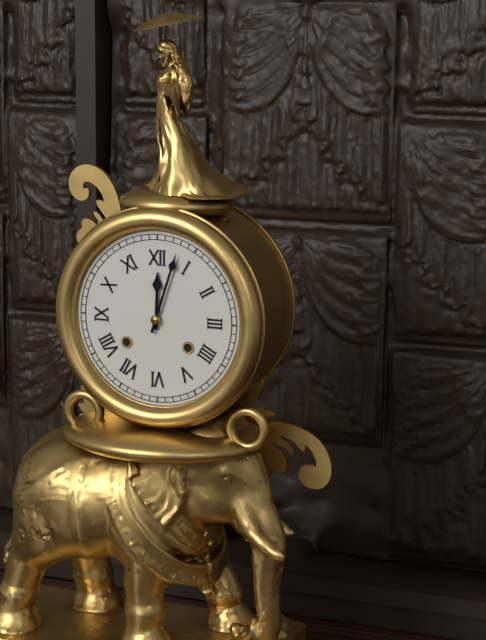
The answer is 12h03
